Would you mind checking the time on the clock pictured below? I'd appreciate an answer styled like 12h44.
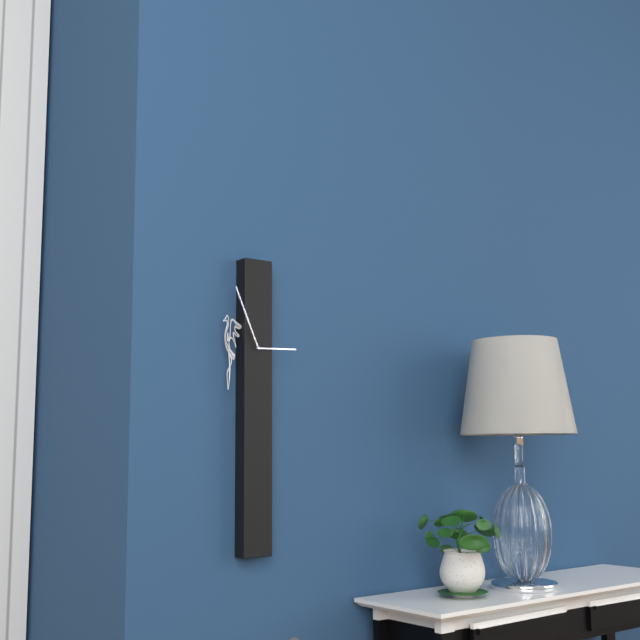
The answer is 2h56
